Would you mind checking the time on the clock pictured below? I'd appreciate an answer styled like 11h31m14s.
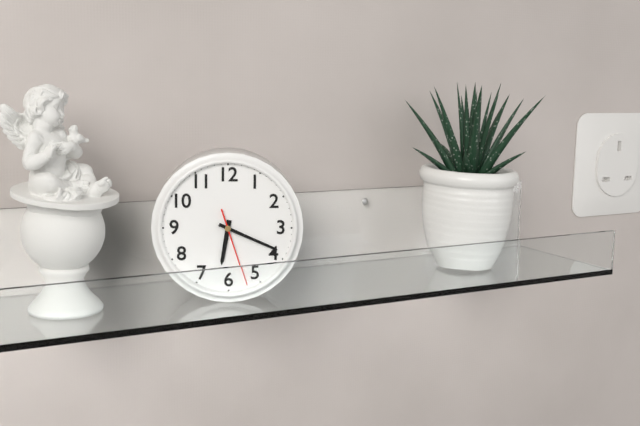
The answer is 6h19m27s
